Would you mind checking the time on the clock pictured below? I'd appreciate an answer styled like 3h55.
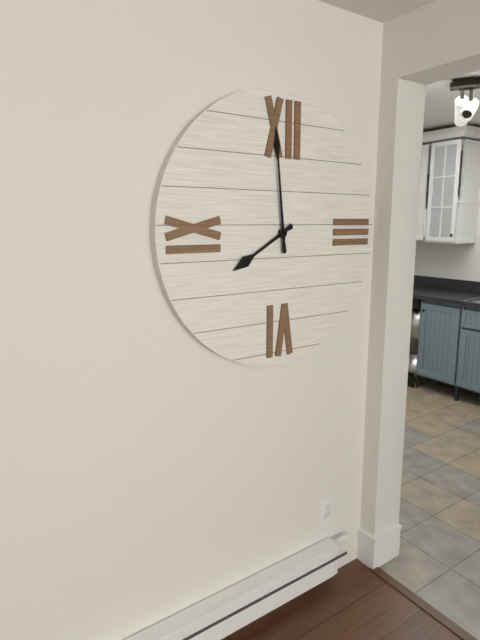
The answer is 7h59
